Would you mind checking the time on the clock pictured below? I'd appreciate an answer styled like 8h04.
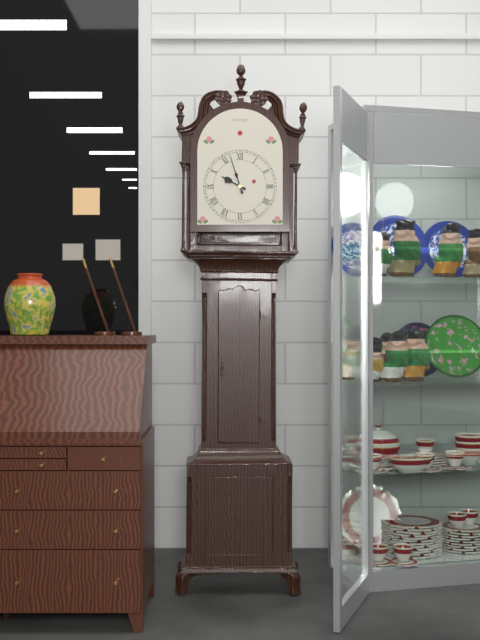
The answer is 9h57
